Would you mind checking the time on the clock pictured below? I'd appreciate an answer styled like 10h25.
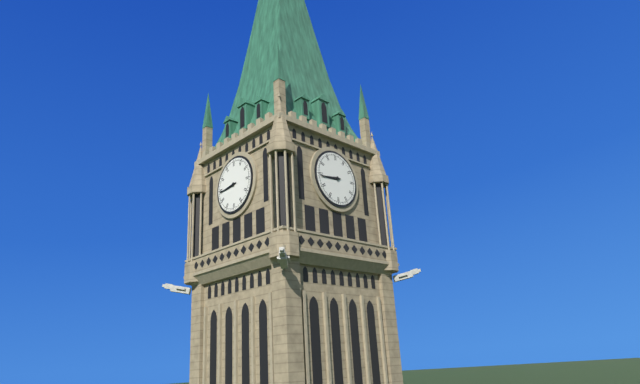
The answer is 8h44
